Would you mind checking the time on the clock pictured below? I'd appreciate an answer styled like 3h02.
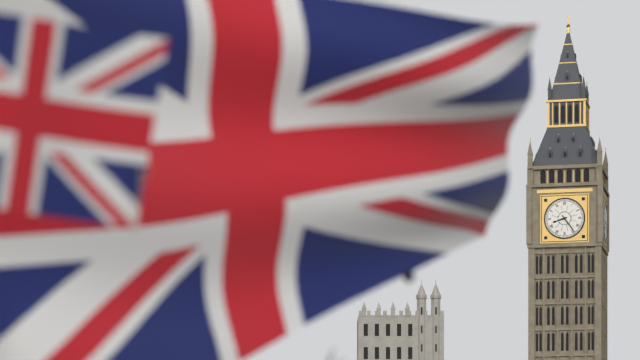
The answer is 8h24
